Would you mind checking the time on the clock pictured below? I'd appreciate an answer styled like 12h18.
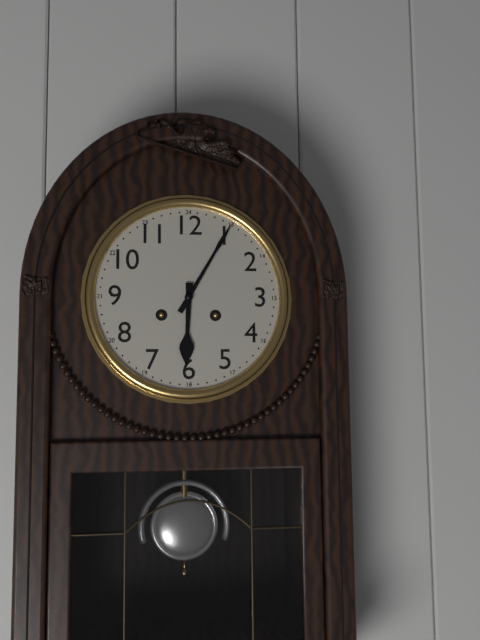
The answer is 6h05
